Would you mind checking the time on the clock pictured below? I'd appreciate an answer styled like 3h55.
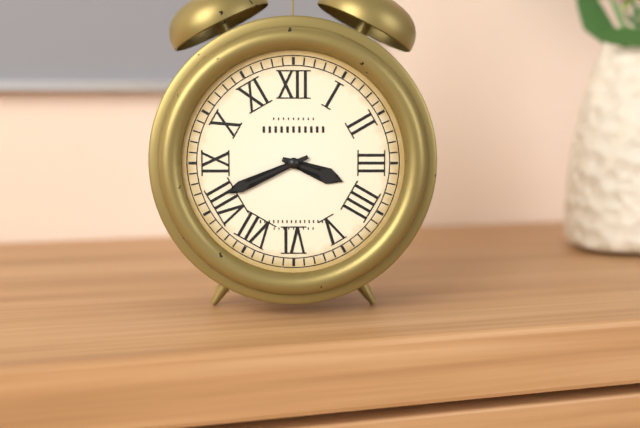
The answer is 3h41
